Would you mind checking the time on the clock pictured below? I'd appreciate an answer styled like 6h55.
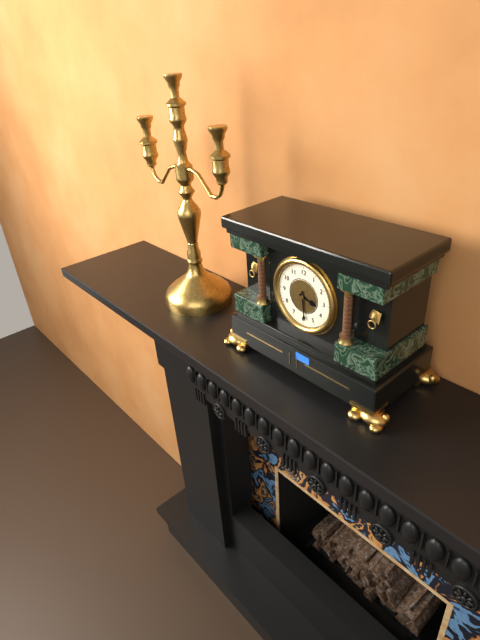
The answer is 3h29
